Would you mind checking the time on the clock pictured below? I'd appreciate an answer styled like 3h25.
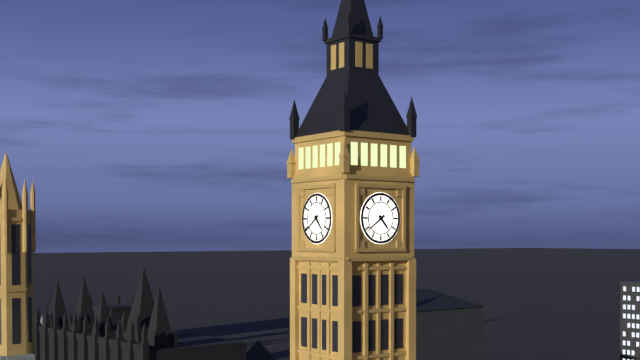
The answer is 4h39
